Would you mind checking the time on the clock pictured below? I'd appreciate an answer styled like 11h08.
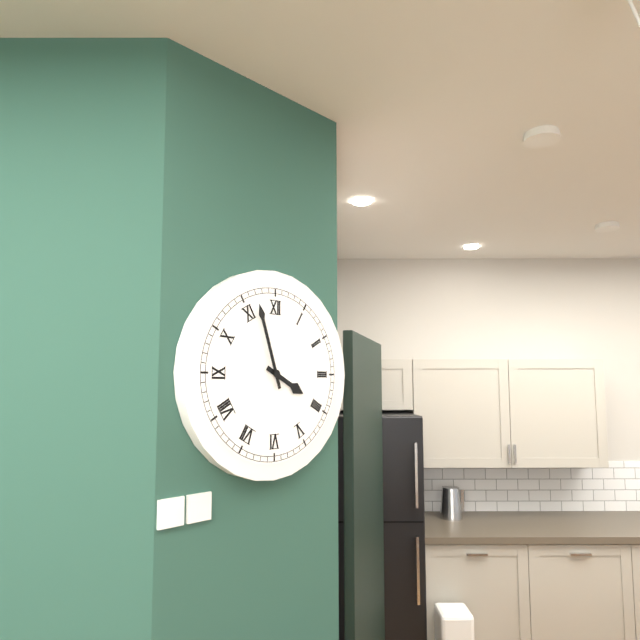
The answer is 3h57
